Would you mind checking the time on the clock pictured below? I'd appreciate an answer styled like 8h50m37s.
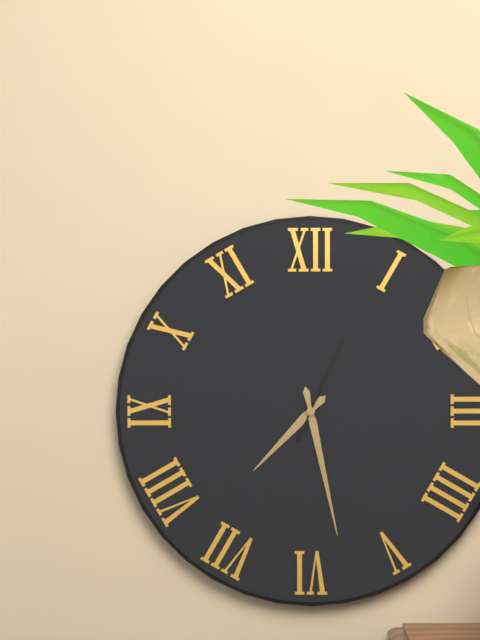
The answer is 7h28m04s
